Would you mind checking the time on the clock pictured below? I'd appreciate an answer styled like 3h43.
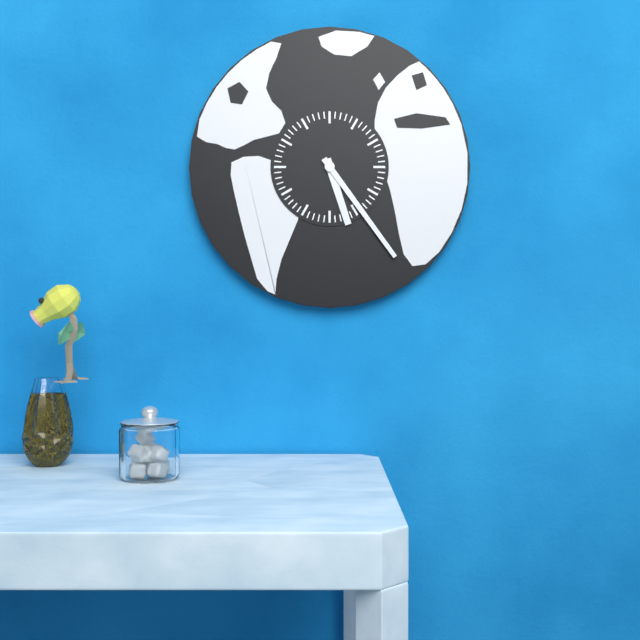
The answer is 5h24
